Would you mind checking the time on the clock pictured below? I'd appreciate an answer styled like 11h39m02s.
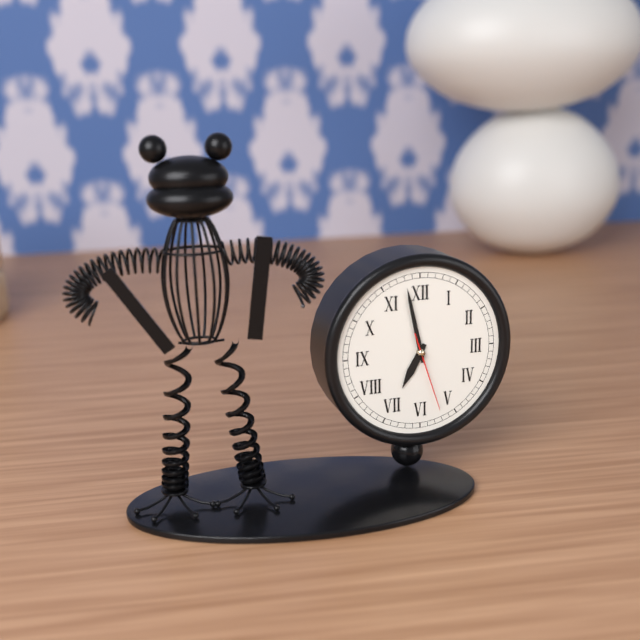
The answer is 6h58m27s
